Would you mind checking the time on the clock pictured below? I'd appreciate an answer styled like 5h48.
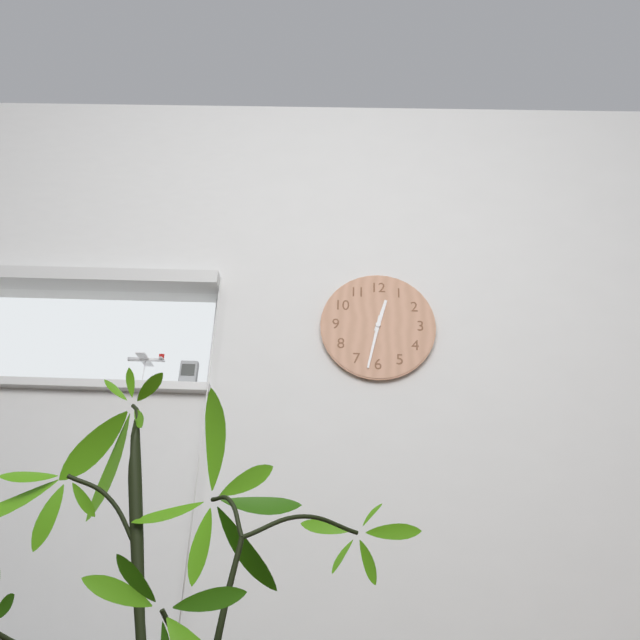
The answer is 12h32
